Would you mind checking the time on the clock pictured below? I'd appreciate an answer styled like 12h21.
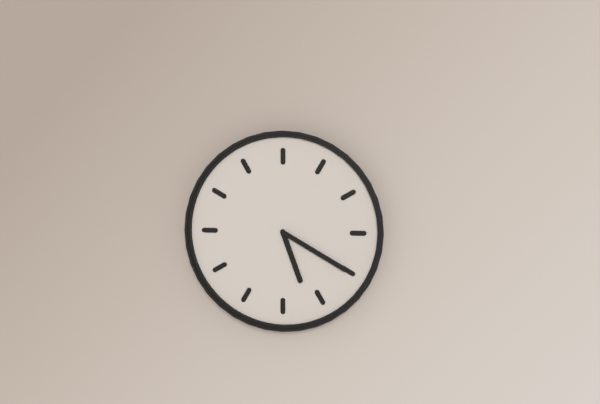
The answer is 5h20
